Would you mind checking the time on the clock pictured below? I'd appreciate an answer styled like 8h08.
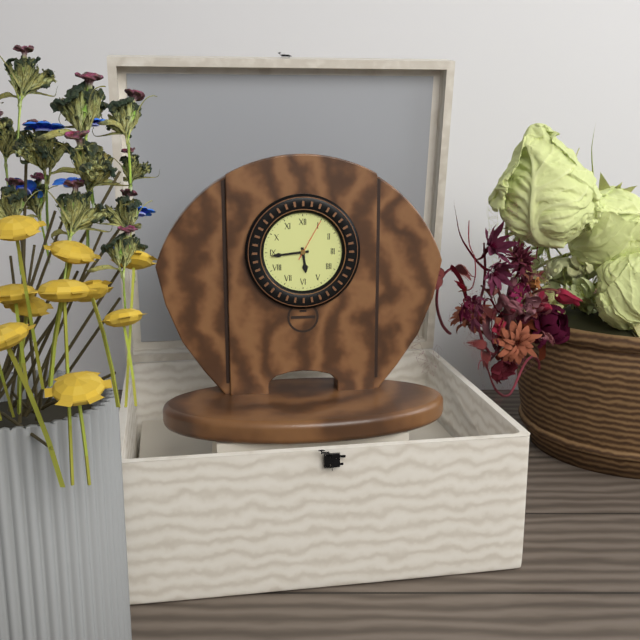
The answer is 5h44
